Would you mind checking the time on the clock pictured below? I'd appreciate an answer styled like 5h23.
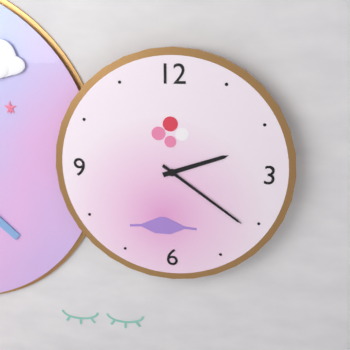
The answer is 2h21
